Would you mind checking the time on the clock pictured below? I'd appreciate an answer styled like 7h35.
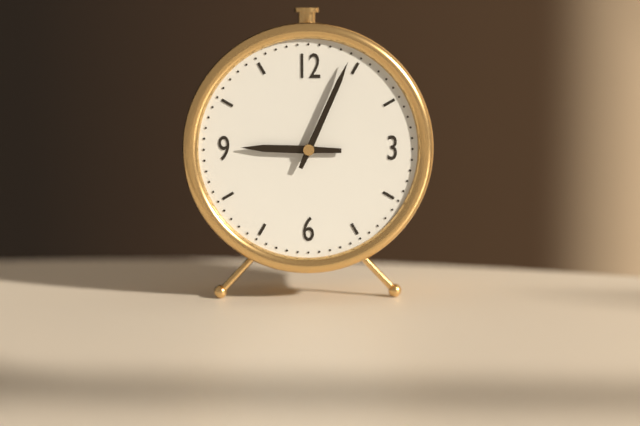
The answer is 9h04
